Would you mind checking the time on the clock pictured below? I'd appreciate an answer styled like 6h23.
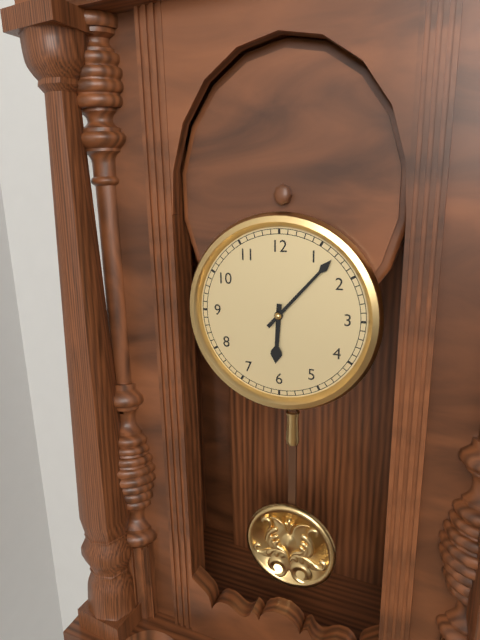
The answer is 6h07
